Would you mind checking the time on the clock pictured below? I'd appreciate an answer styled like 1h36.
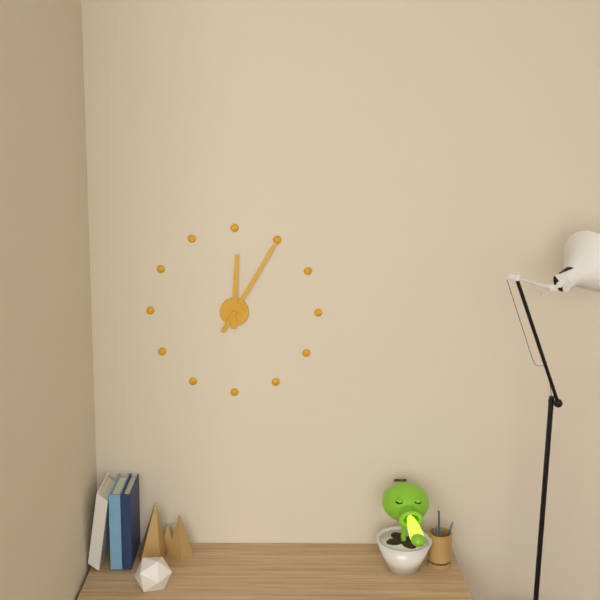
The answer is 12h05
